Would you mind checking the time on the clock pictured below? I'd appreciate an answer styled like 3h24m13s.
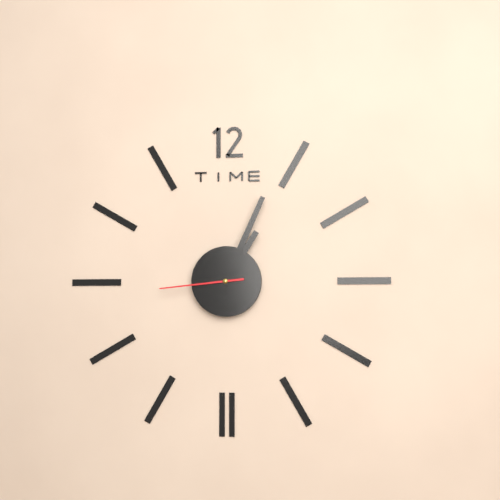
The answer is 1h04m44s
